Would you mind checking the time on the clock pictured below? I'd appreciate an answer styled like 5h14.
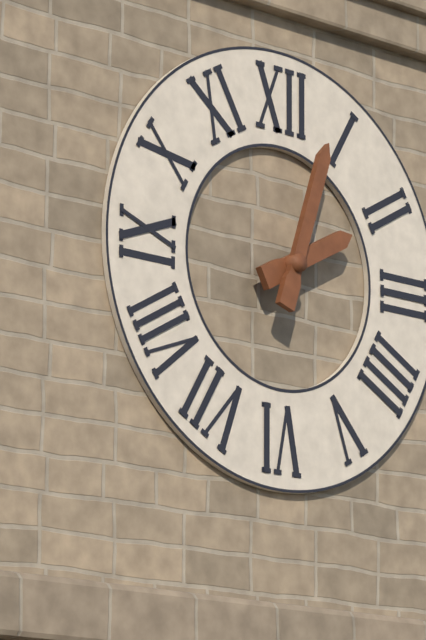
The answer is 2h03
